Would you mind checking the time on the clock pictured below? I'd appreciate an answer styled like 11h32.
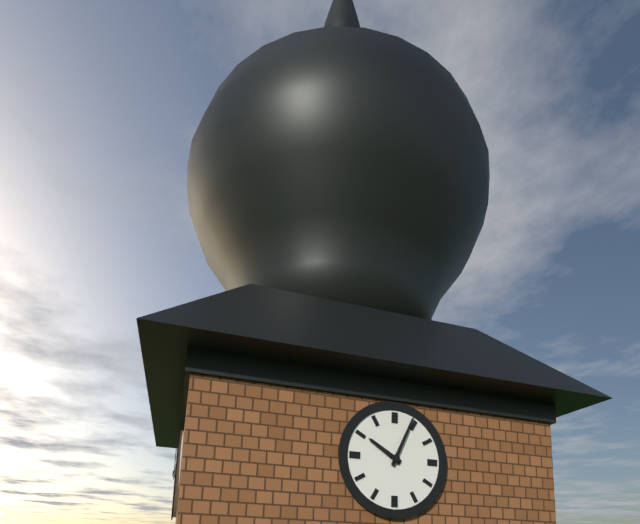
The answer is 10h04
